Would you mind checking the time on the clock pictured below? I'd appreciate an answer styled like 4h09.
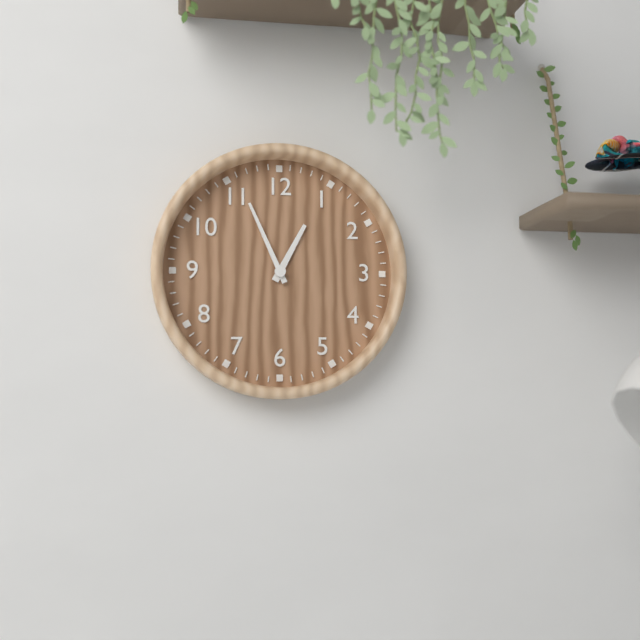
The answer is 12h56
